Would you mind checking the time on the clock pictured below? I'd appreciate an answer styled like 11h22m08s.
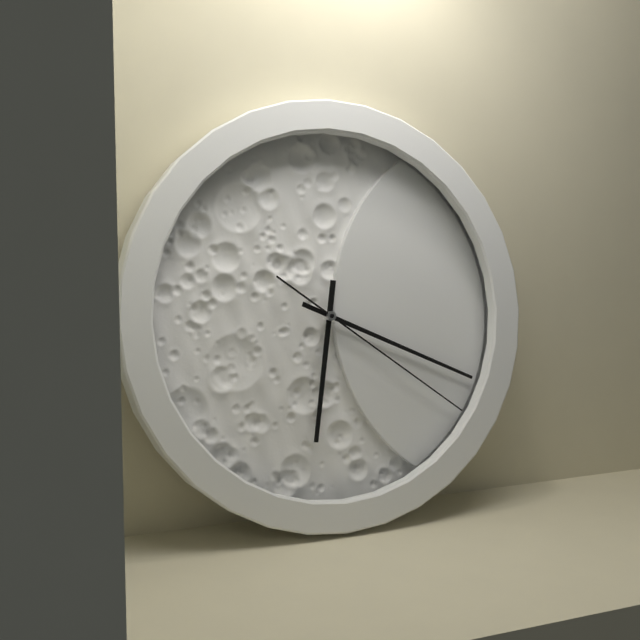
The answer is 6h19m21s
